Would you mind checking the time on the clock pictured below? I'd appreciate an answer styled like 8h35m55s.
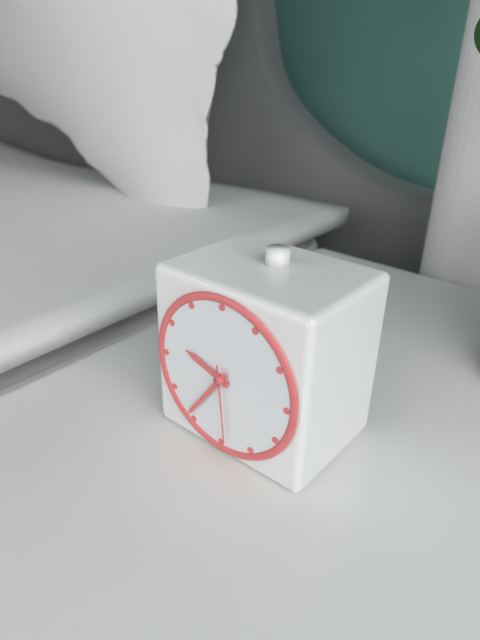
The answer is 9h36m29s
